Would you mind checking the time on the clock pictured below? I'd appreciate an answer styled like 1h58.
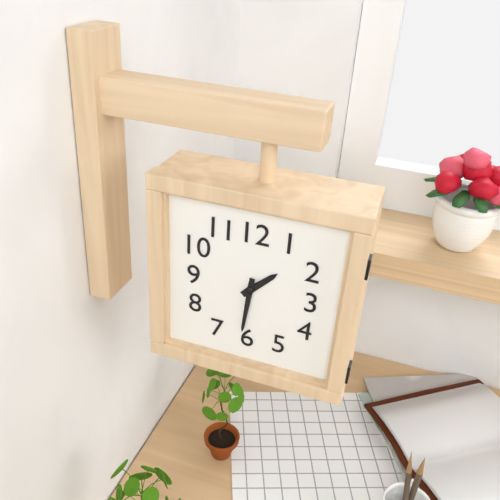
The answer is 1h31
